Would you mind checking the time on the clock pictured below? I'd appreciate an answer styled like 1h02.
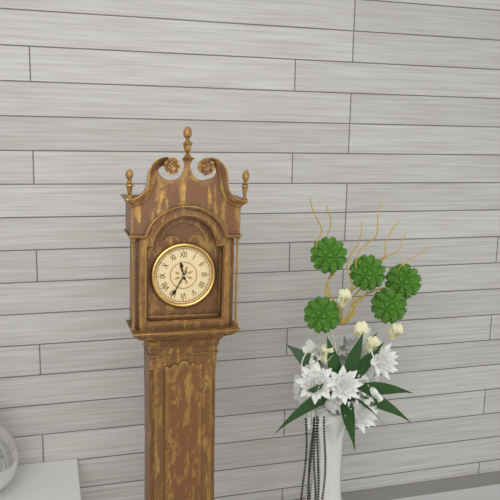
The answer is 11h35
